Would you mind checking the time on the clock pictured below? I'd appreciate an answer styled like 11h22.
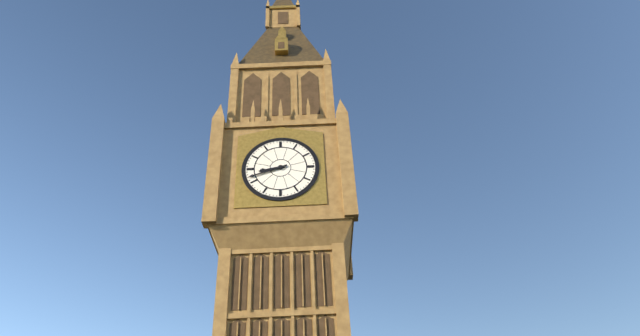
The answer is 8h42
